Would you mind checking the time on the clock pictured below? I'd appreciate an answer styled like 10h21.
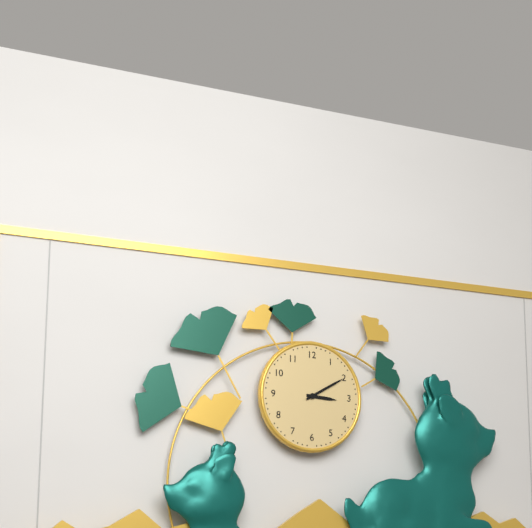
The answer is 3h10
